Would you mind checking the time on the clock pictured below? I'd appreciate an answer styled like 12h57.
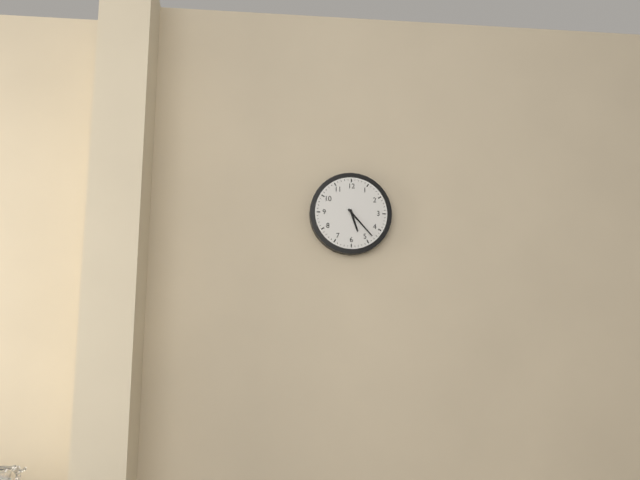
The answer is 5h23
